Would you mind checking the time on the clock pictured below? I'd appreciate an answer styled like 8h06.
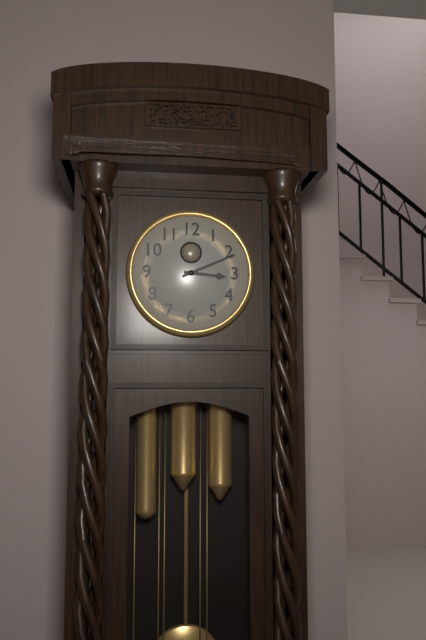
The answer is 3h11
